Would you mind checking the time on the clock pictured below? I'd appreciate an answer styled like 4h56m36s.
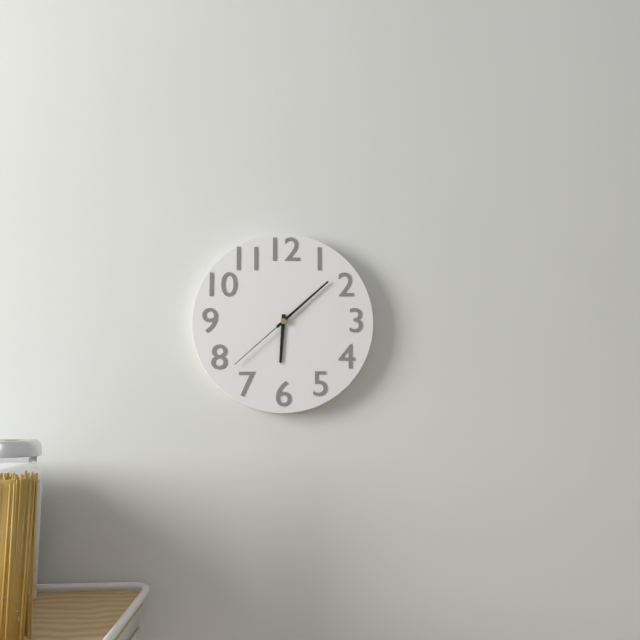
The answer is 6h08m38s
